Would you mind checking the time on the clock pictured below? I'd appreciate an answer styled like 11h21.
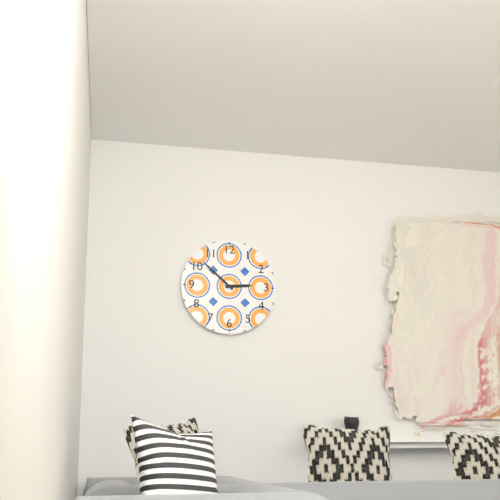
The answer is 2h52
